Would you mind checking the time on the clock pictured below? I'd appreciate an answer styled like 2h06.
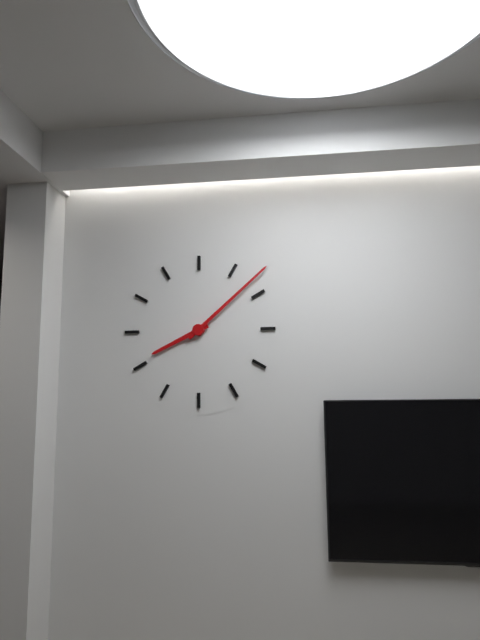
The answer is 8h08
